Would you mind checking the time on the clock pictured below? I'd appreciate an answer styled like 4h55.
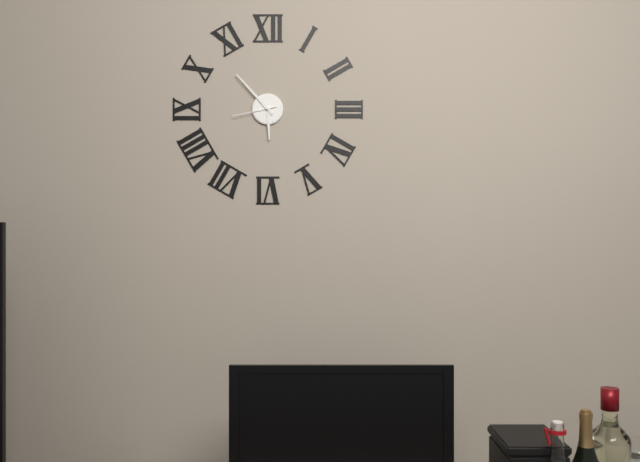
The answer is 5h53
